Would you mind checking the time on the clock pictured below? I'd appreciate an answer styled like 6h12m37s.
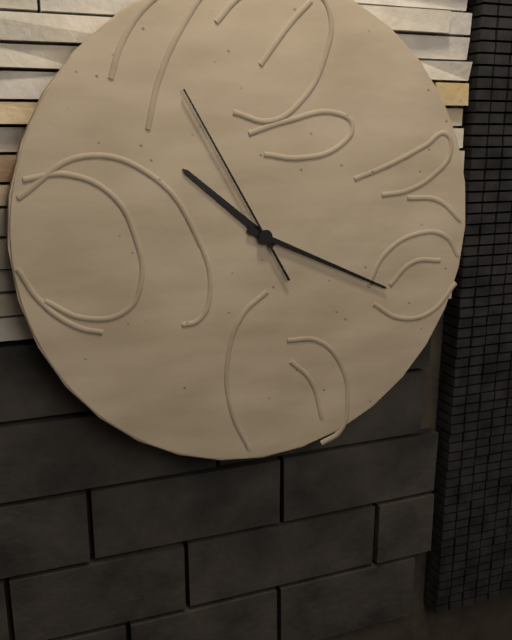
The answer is 10h19m55s
